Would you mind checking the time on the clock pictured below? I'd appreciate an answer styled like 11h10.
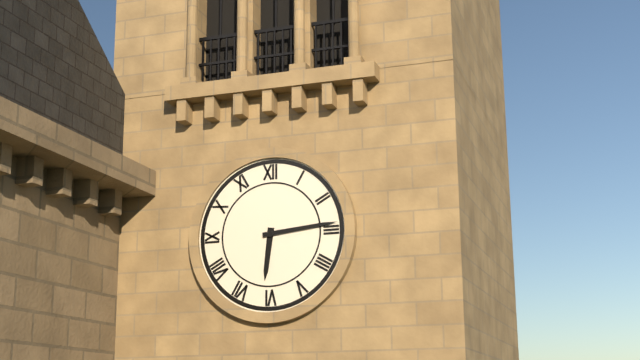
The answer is 6h14
